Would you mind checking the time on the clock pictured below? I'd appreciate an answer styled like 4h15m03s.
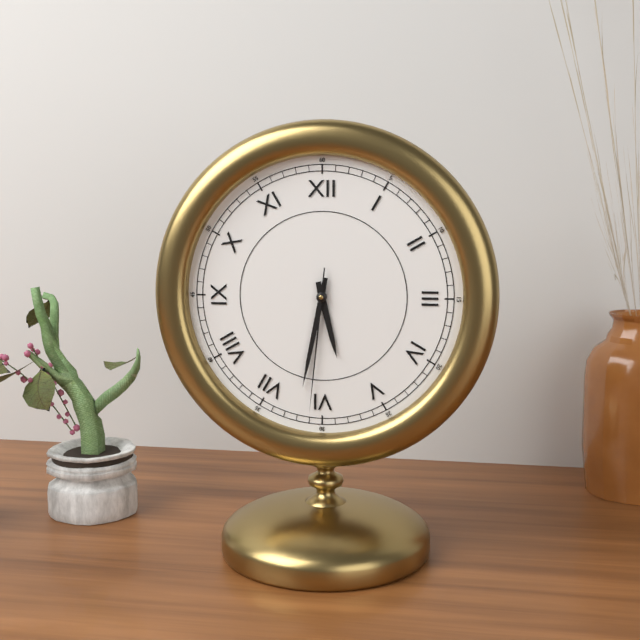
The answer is 5h32m31s
